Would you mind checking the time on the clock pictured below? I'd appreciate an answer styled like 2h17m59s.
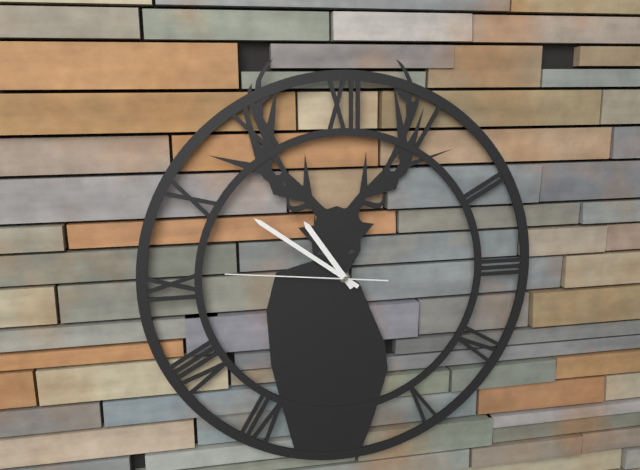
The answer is 10h51m46s
